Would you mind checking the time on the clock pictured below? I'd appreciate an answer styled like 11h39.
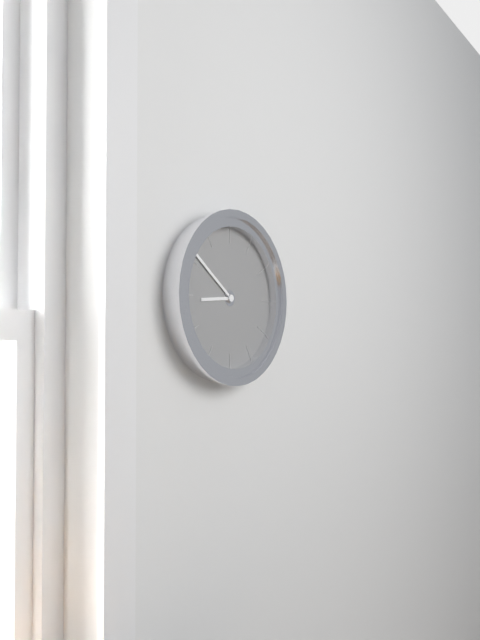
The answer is 8h51
